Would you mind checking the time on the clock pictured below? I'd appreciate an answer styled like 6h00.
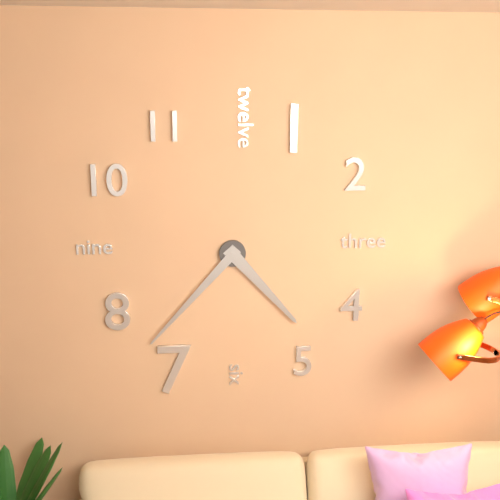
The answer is 4h37
